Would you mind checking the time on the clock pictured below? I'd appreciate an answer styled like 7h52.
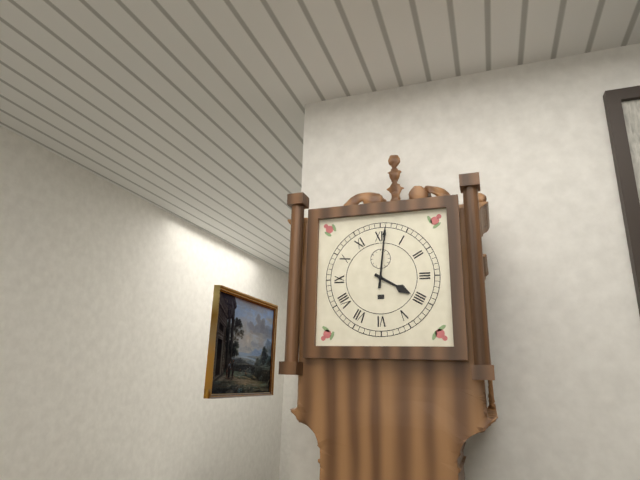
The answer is 4h01
